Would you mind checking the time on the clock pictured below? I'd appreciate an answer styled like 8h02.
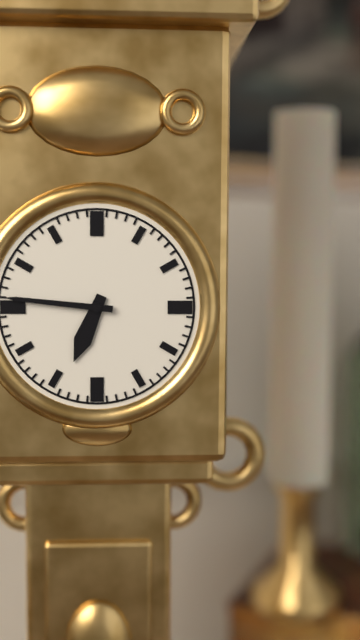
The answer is 6h46
